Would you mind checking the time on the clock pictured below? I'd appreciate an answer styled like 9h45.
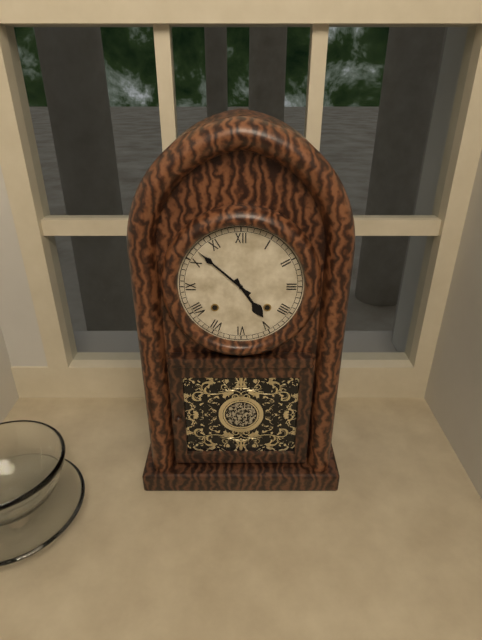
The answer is 4h52
